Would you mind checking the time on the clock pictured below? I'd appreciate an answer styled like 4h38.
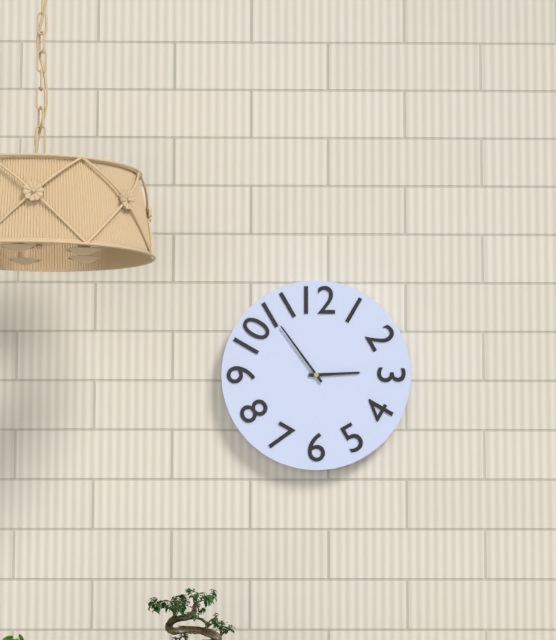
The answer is 2h54
